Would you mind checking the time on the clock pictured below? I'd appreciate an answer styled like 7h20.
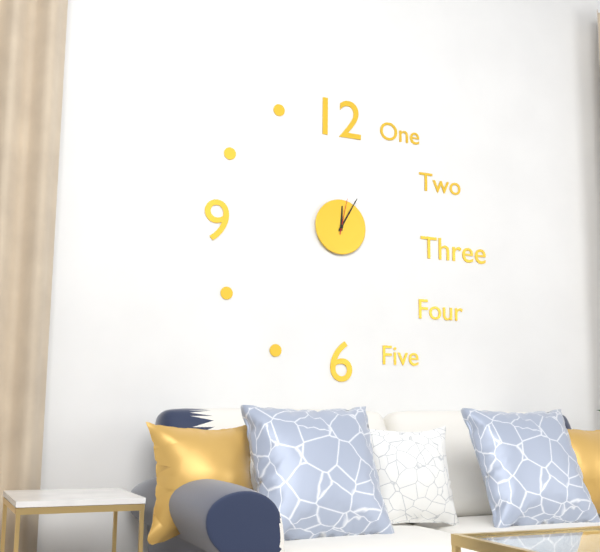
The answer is 12h05
